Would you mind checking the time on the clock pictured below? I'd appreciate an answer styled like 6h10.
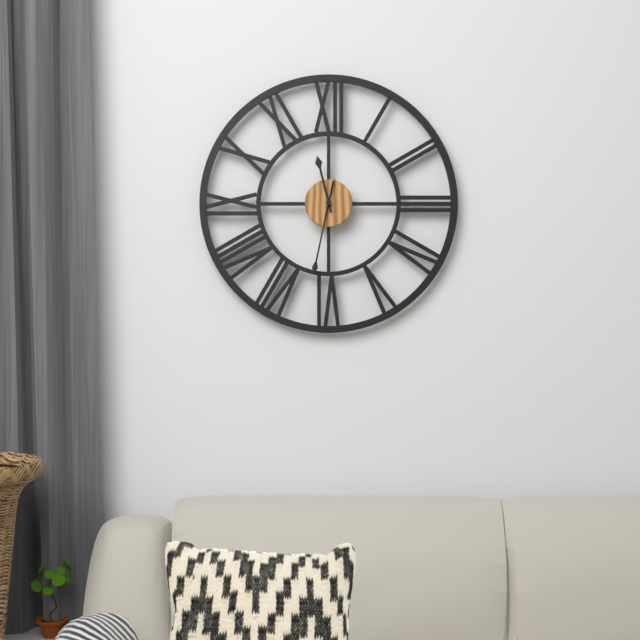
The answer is 11h32
